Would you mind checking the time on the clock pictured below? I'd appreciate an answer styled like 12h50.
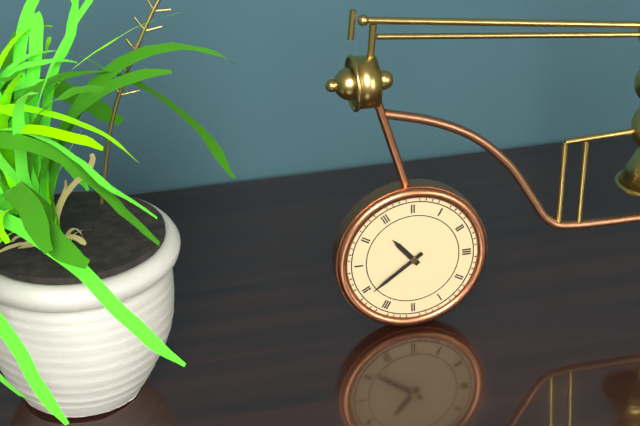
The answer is 10h39
